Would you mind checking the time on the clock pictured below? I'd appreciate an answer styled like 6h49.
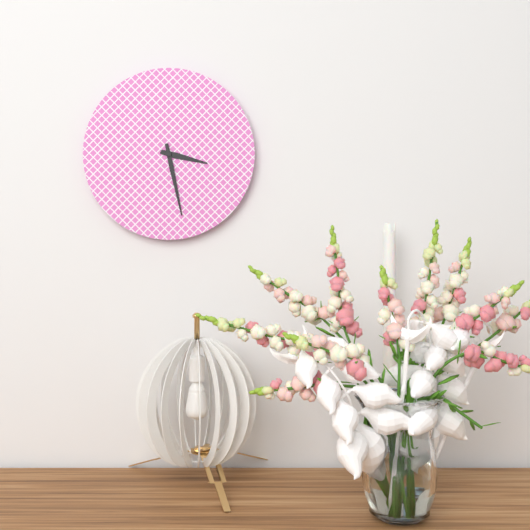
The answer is 3h28
